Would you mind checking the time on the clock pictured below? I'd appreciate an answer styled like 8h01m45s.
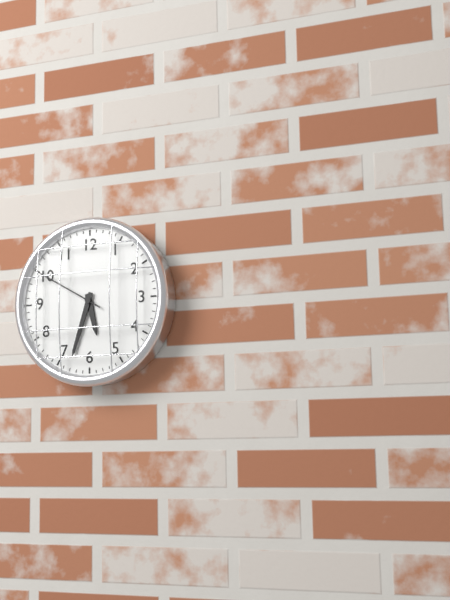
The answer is 5h33m50s
